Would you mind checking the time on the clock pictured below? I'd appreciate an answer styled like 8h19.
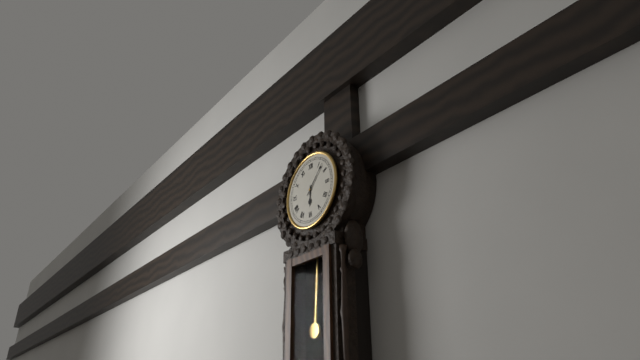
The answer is 6h07
